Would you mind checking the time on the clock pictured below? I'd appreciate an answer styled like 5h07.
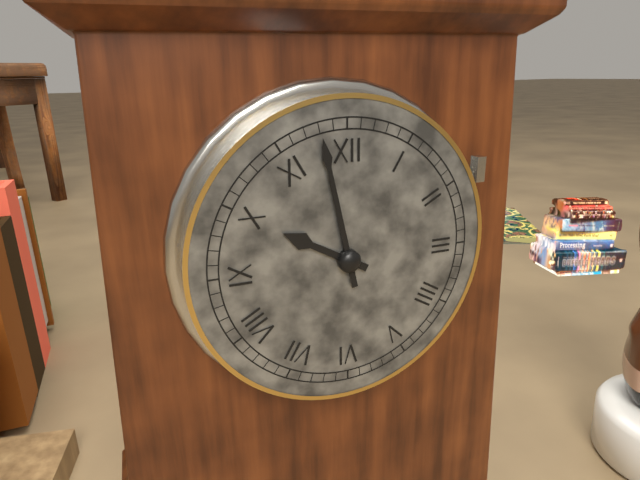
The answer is 9h58
